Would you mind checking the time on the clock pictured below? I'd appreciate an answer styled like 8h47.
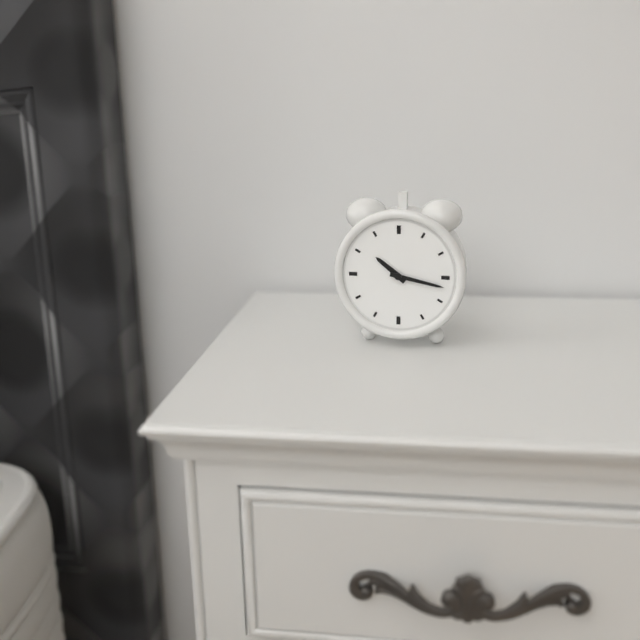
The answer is 10h17
